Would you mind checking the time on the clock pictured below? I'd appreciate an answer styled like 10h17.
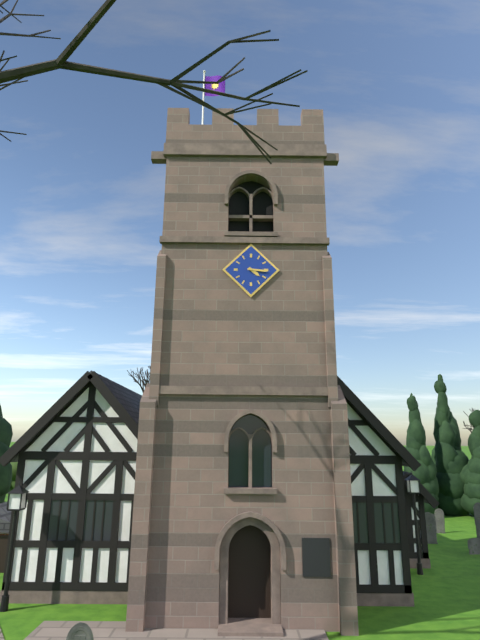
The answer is 4h16
